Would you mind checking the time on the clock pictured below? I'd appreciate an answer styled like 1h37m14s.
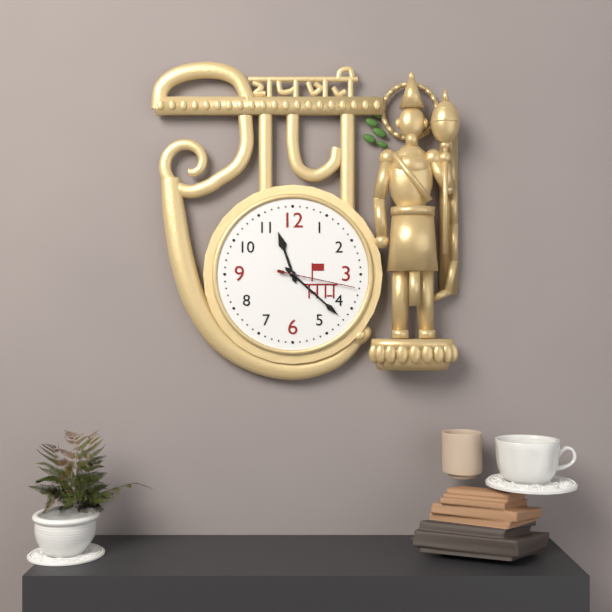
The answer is 11h22m17s
